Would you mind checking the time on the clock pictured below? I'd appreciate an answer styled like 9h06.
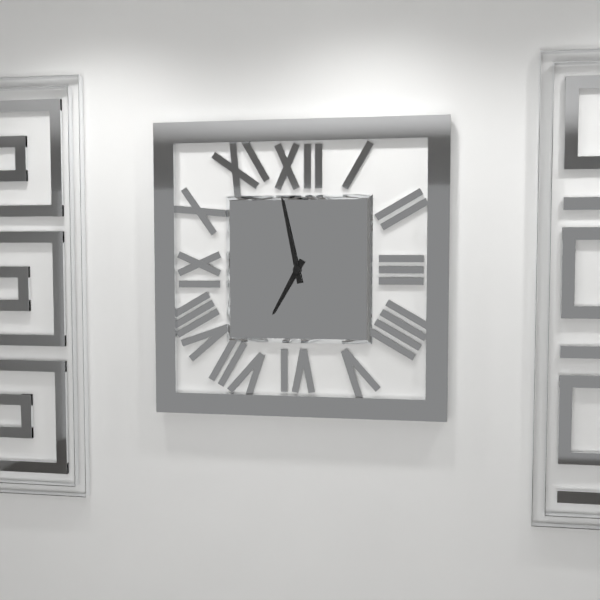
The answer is 6h58
